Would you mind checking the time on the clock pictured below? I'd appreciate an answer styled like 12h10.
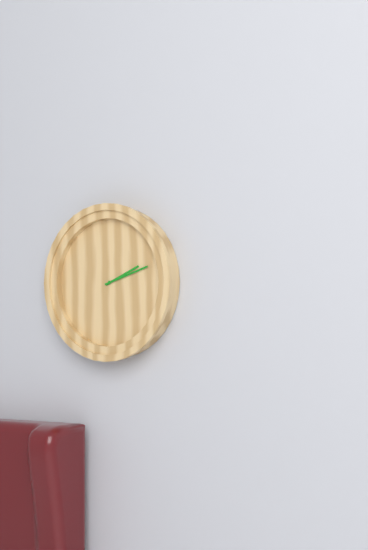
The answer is 2h12
